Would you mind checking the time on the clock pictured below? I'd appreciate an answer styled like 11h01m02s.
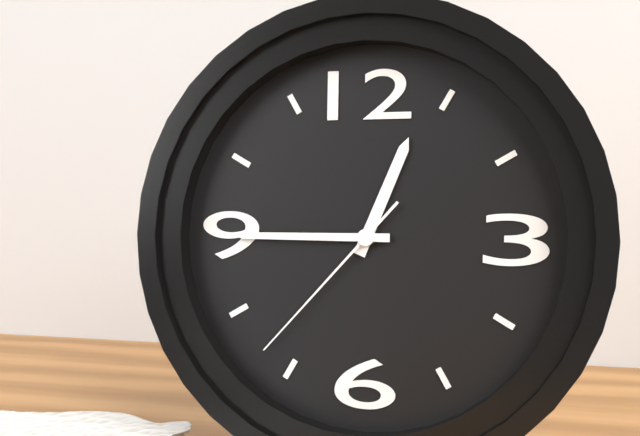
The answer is 12h45m37s
